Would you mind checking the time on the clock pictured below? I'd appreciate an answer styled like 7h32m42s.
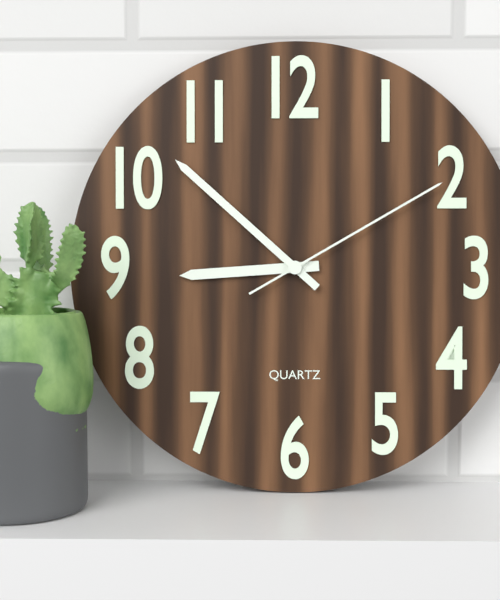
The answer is 8h52m10s
